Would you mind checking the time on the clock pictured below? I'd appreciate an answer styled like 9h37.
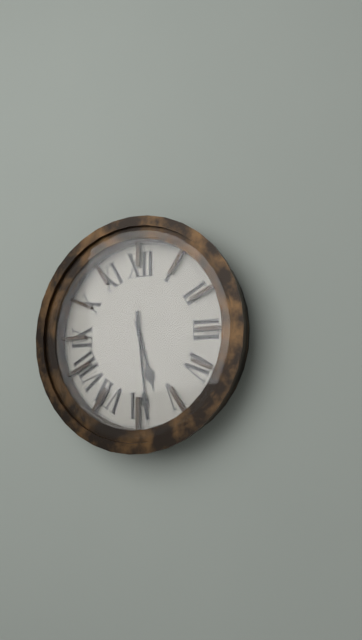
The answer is 5h29
